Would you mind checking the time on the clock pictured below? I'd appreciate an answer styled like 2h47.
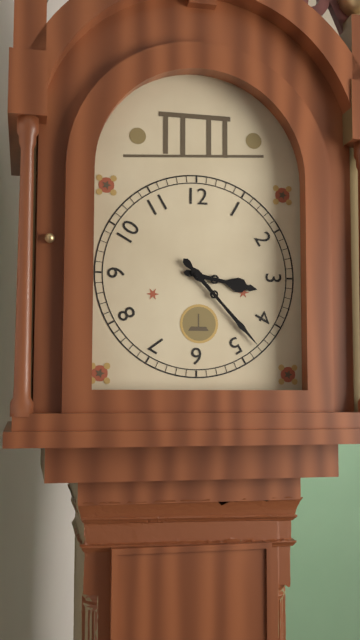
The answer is 3h23
